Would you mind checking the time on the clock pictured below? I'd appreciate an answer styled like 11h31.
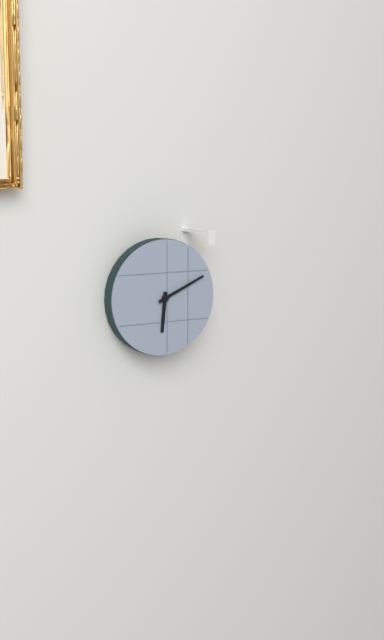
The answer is 6h11
